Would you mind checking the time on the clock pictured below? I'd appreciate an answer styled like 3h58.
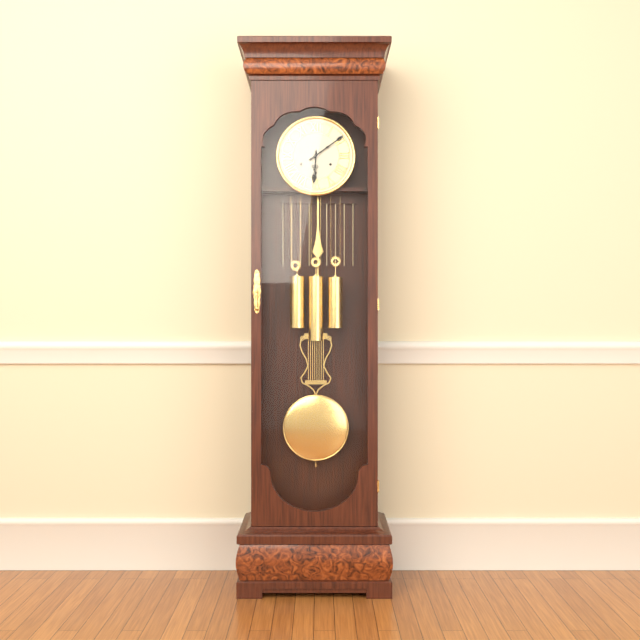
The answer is 6h09
